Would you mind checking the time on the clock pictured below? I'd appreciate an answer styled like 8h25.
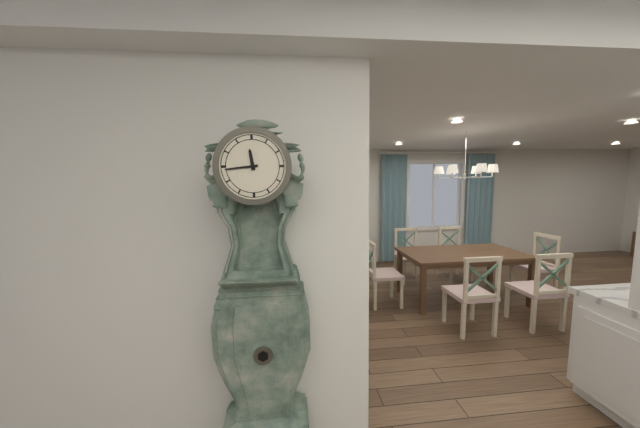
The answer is 11h44
